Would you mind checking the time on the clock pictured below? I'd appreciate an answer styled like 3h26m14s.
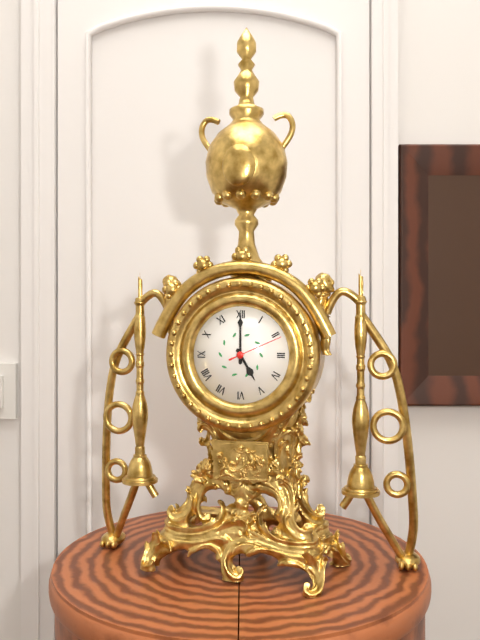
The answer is 5h00m11s
